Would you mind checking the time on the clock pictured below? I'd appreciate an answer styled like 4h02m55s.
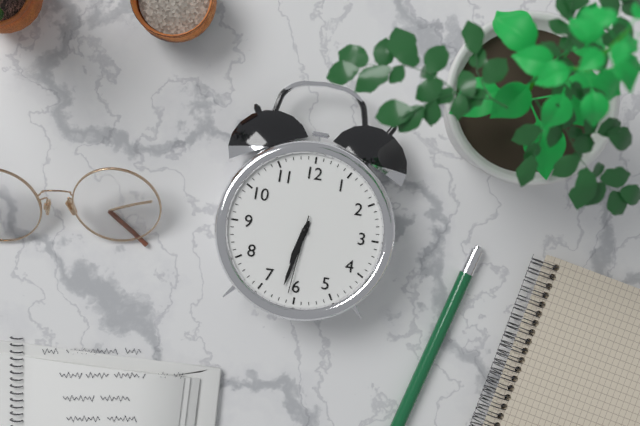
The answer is 6h32m31s
